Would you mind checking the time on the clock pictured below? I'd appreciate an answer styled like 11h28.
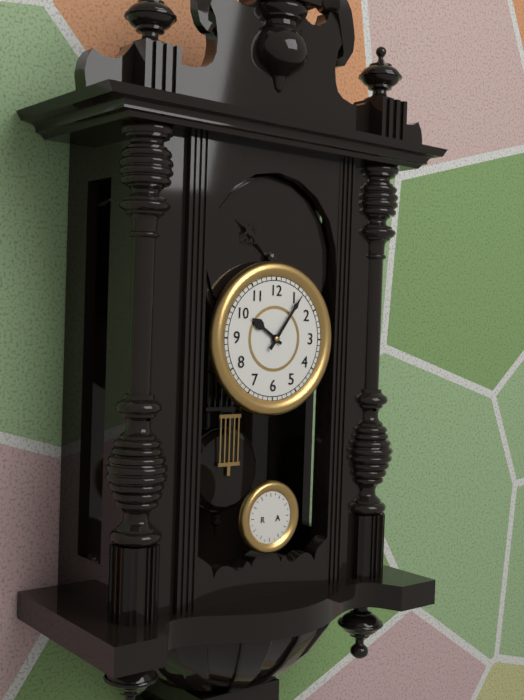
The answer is 10h06
